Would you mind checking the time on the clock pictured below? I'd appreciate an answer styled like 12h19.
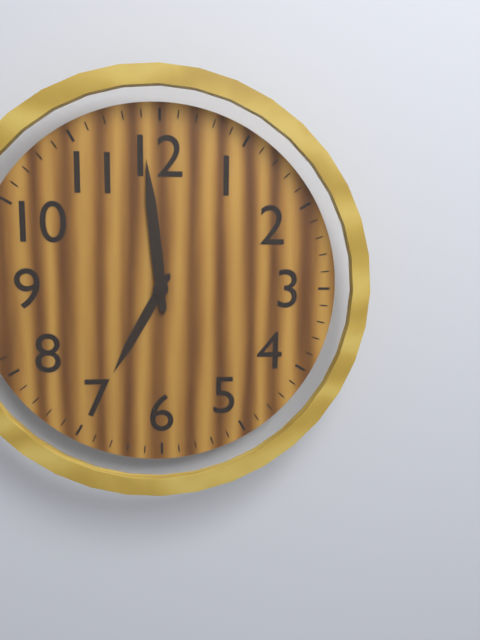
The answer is 6h59
